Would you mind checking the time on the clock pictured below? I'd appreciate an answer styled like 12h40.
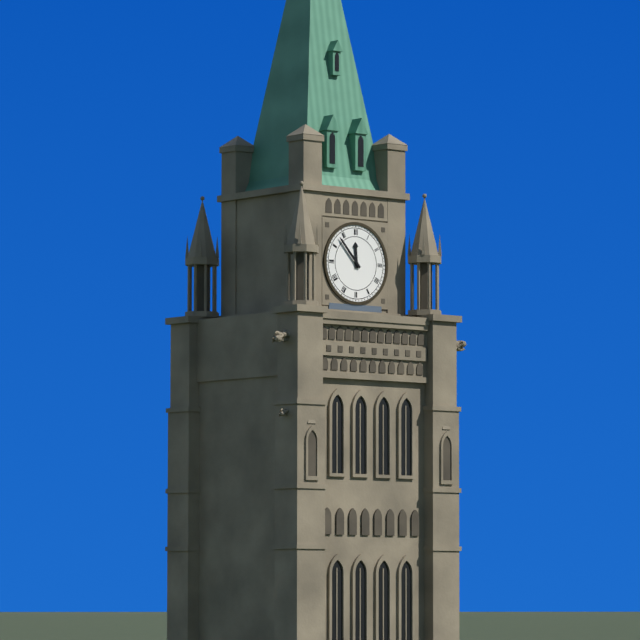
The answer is 11h53
